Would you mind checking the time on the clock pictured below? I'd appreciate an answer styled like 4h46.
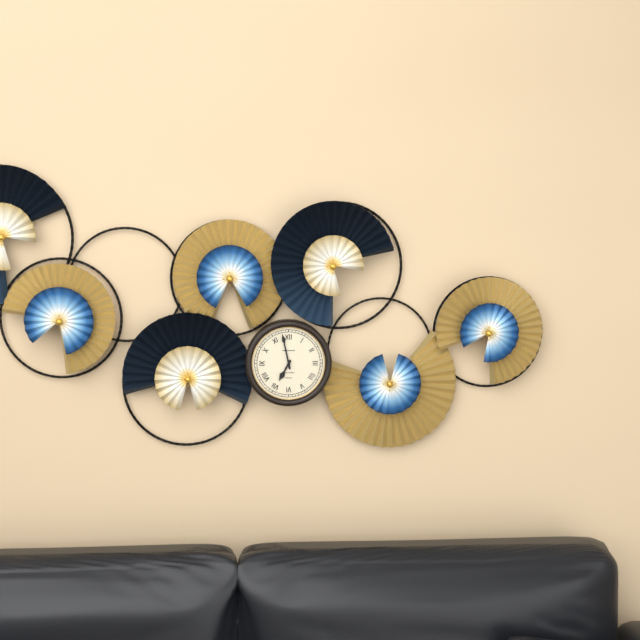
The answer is 6h58
